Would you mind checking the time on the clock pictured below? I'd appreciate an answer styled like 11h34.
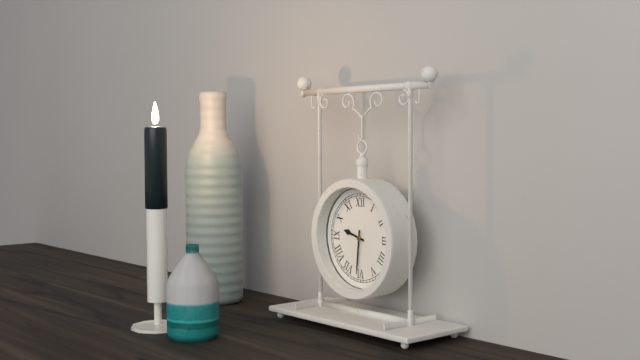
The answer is 9h31
